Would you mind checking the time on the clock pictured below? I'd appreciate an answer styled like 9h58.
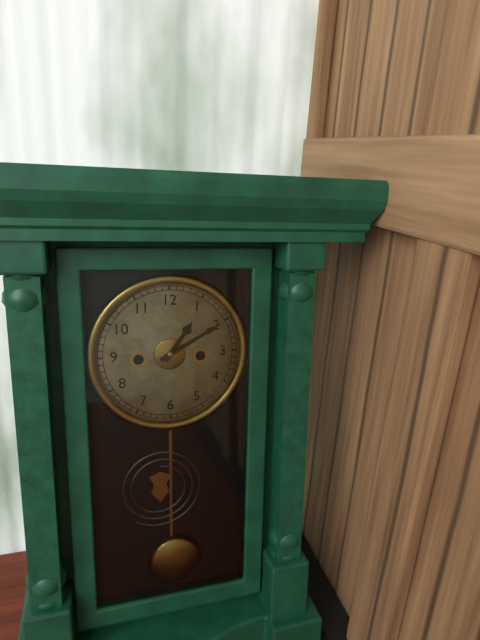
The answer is 1h10
